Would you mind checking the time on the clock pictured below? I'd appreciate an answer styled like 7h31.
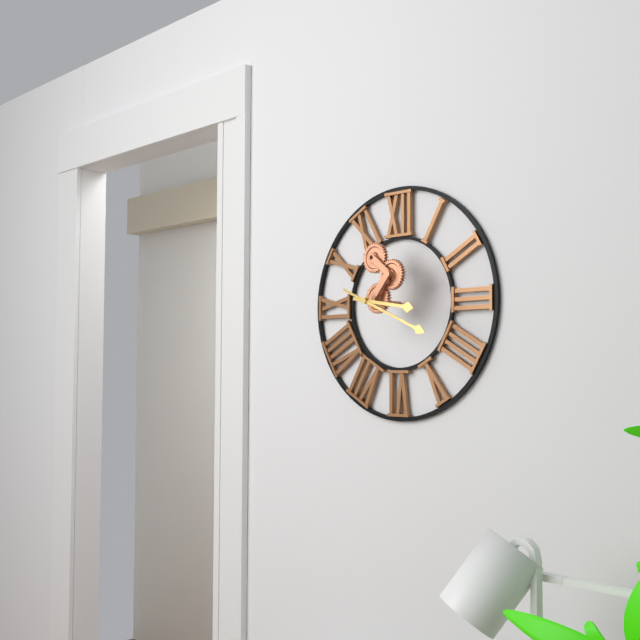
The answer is 3h19
